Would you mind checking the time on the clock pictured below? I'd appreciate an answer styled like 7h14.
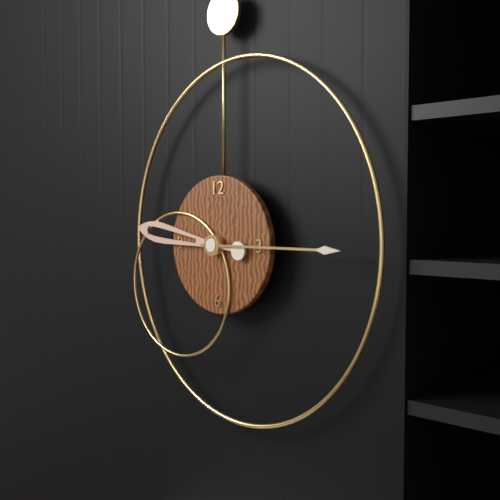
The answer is 9h15
